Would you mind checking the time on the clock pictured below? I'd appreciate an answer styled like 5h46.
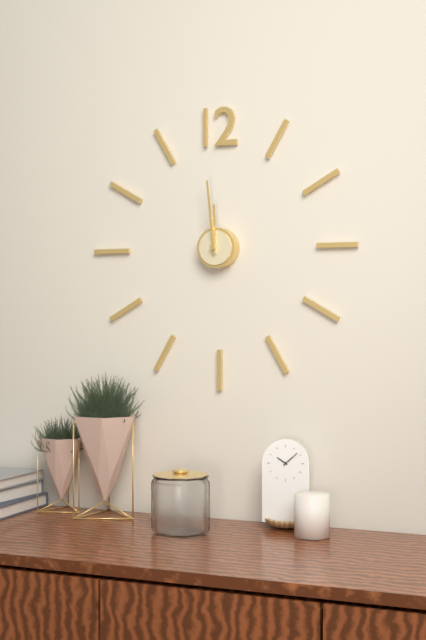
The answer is 11h59
